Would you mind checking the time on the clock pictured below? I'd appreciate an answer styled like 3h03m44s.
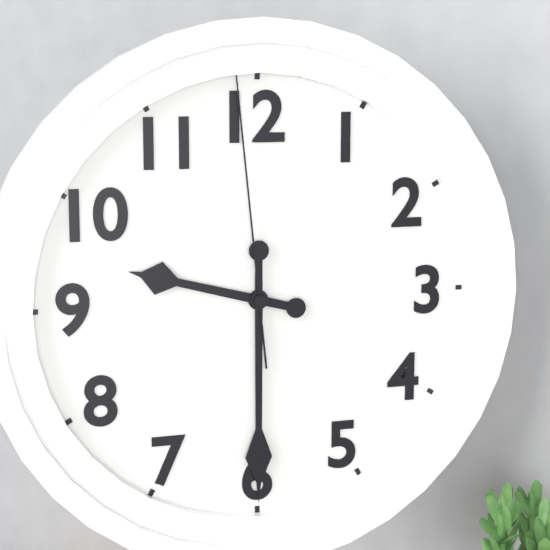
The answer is 9h30m59s
